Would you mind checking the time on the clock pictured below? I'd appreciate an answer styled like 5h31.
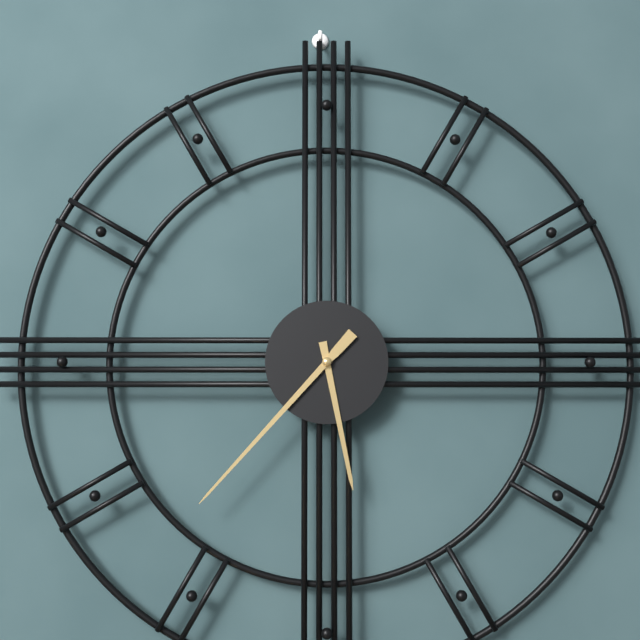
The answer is 5h37
